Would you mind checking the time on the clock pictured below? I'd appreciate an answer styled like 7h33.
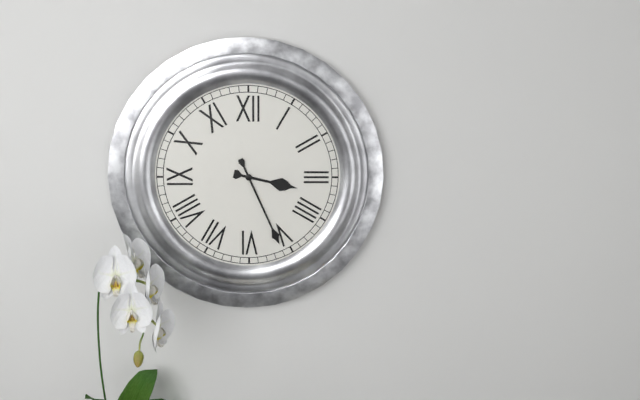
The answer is 3h26
